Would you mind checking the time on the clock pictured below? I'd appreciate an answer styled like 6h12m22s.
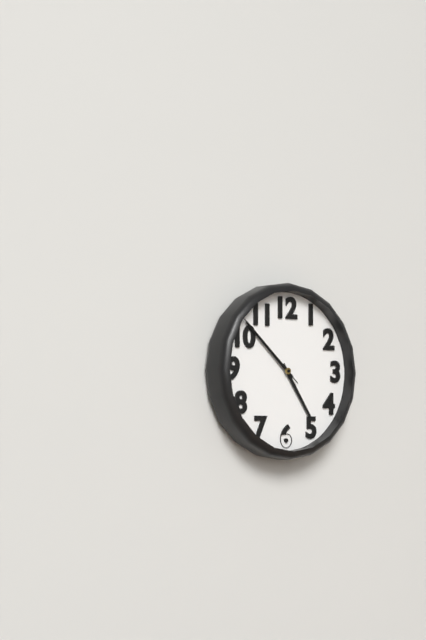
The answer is 4h52m52s
